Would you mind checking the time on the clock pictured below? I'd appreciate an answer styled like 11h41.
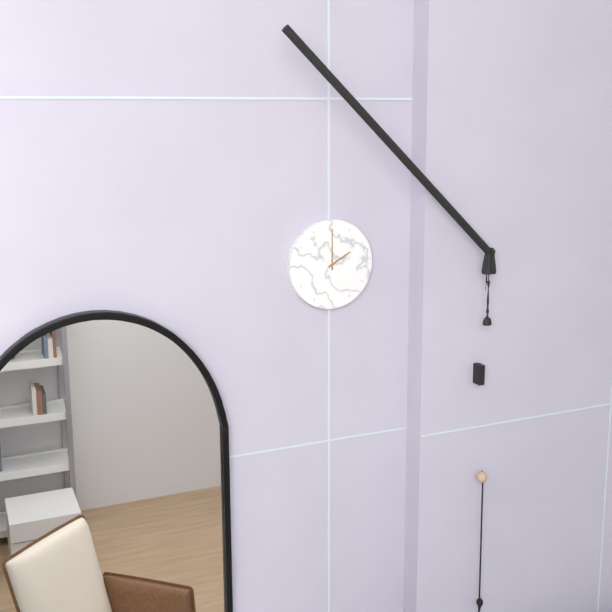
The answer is 2h00
